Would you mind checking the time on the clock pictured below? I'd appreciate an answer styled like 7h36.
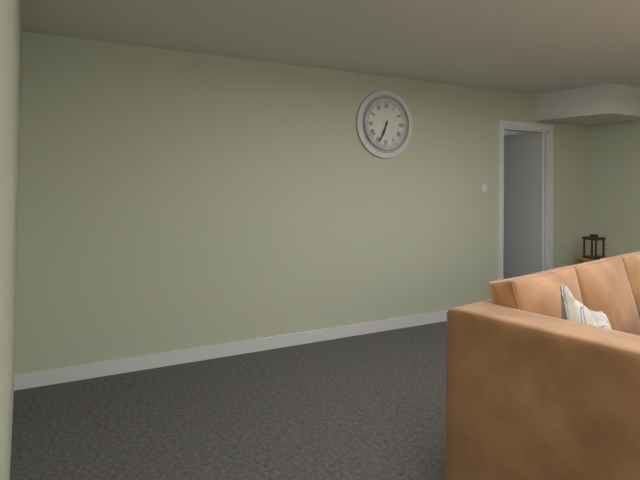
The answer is 6h34
